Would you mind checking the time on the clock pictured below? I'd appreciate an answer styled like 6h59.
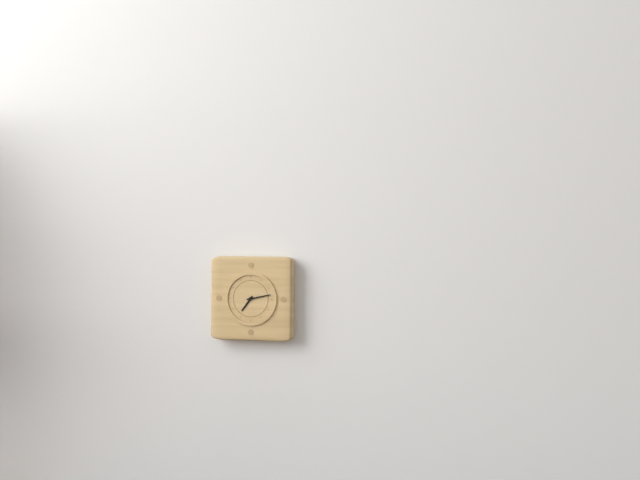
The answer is 7h13
